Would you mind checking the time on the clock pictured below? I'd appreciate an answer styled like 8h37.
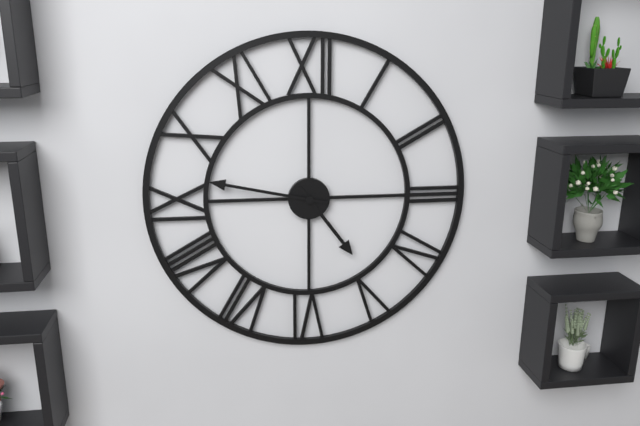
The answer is 4h47
